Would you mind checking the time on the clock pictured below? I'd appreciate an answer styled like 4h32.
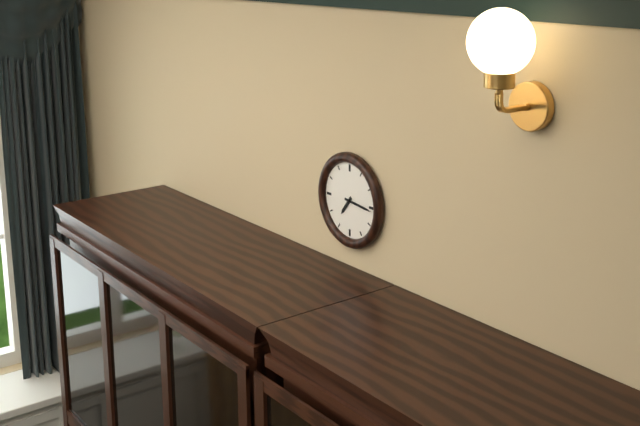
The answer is 7h16
